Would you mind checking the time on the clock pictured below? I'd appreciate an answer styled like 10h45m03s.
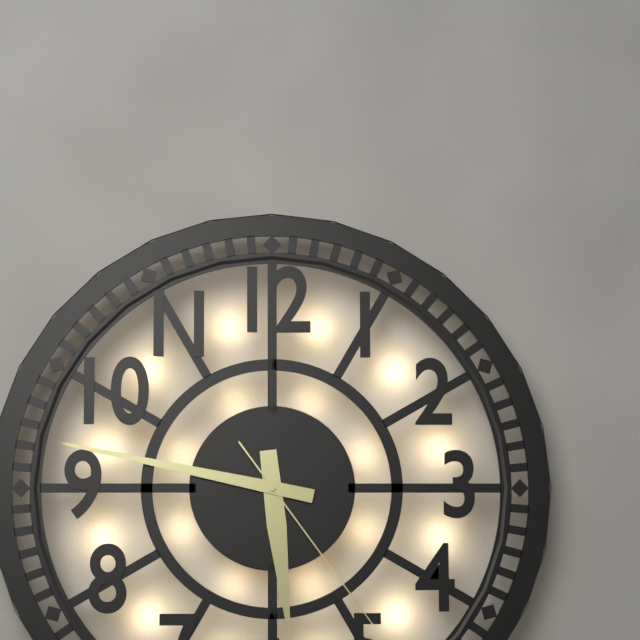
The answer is 5h47m24s
